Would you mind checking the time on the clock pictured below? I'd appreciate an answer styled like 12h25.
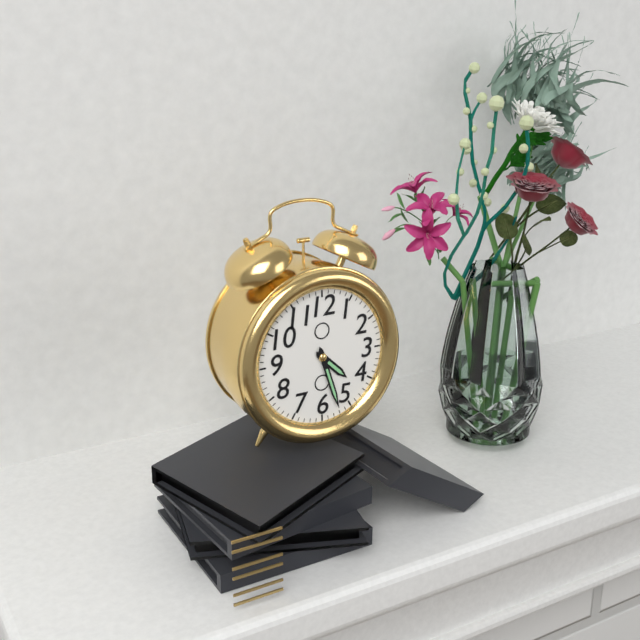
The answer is 4h27
